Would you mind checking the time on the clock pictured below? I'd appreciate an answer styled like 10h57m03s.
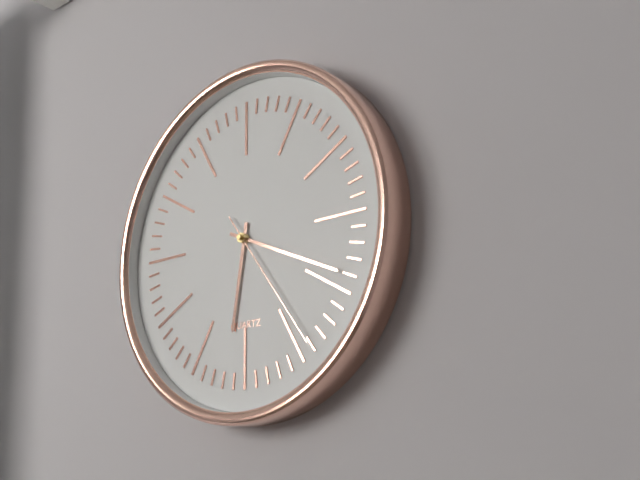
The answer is 6h19m24s
